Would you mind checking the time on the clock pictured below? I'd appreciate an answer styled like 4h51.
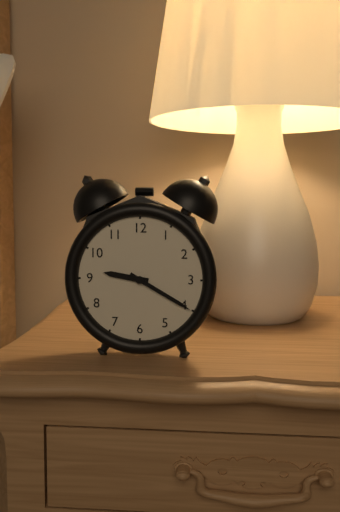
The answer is 9h20
